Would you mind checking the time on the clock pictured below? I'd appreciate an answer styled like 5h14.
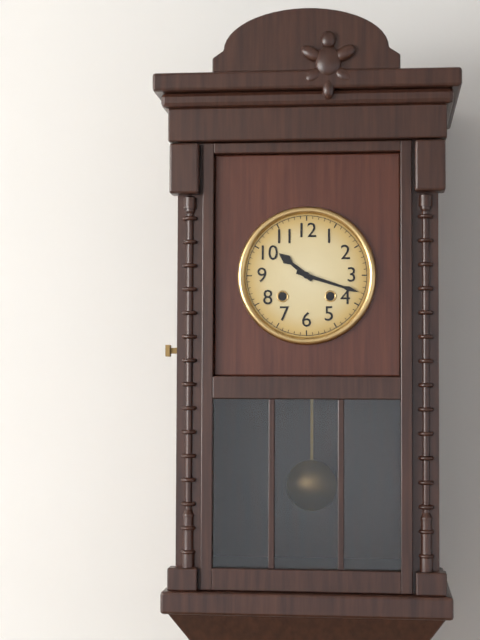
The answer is 10h18
